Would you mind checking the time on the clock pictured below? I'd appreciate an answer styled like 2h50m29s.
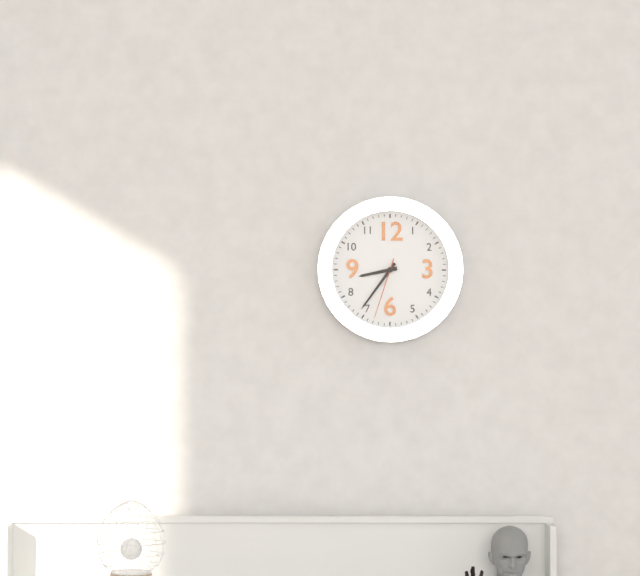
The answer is 8h36m33s
